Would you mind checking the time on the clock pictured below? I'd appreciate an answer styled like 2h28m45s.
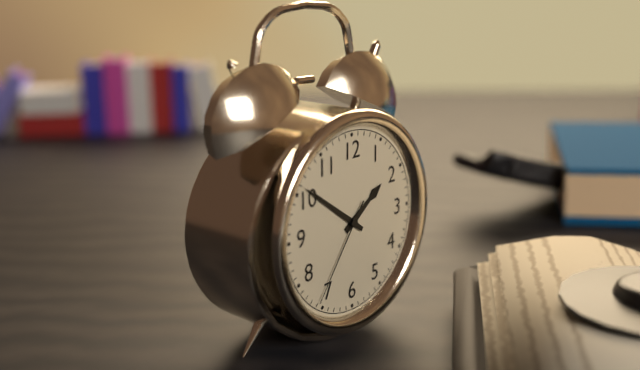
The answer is 1h51m36s
